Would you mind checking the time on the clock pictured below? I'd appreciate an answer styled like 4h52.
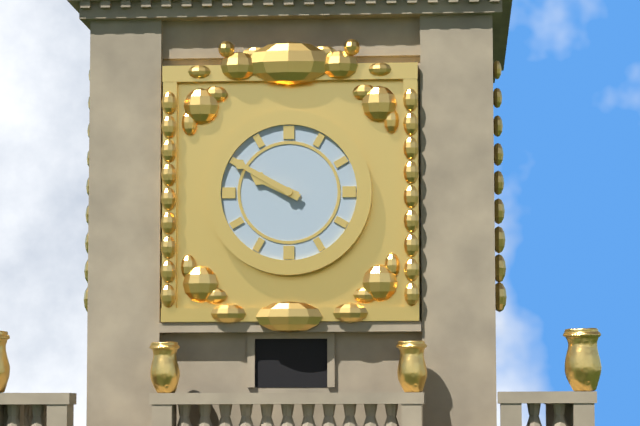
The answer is 9h50
